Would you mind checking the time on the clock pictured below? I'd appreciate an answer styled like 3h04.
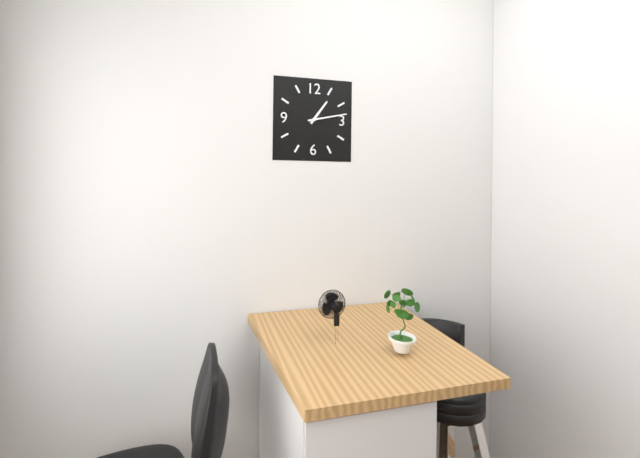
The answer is 1h13
